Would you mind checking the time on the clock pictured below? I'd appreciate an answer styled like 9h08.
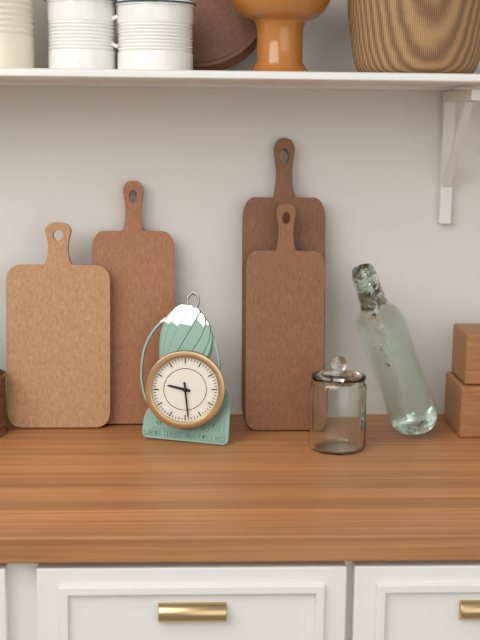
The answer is 9h29
